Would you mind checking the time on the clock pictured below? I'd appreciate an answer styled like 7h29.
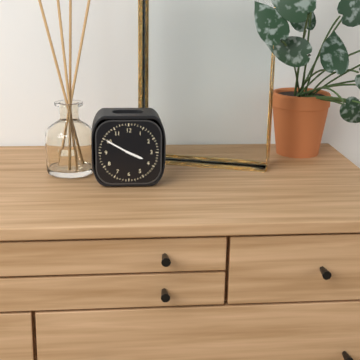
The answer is 3h50
